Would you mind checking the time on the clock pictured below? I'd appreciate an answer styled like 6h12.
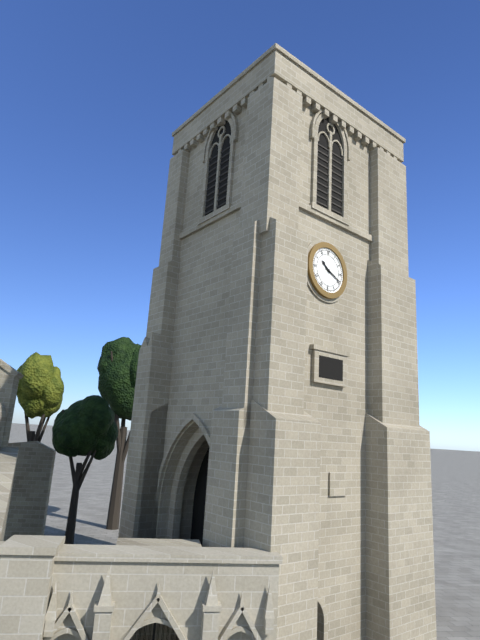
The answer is 10h19
